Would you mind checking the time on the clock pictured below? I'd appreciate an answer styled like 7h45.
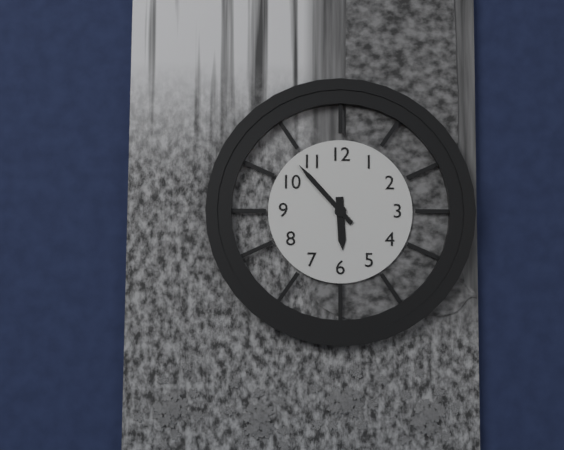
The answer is 5h53
